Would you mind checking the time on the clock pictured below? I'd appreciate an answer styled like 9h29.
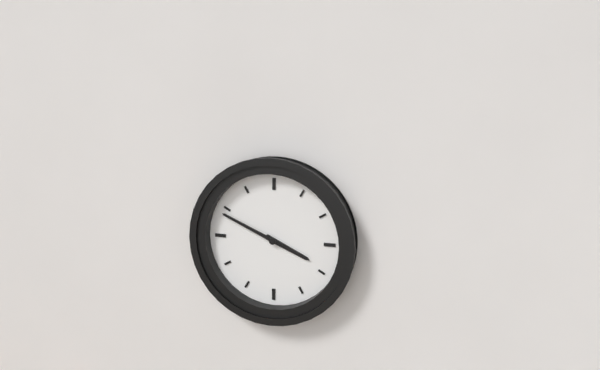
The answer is 3h49
